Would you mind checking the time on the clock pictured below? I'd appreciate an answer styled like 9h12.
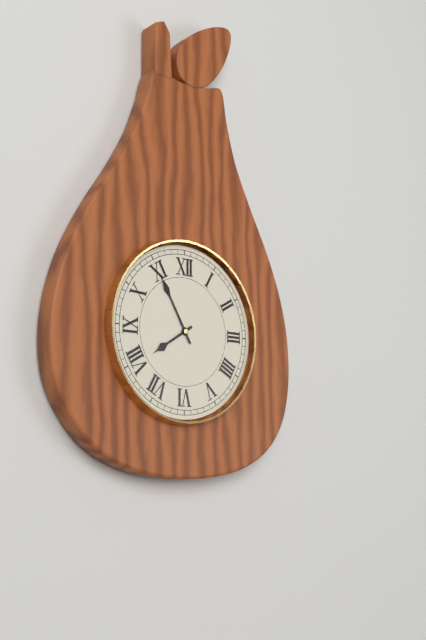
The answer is 7h55
